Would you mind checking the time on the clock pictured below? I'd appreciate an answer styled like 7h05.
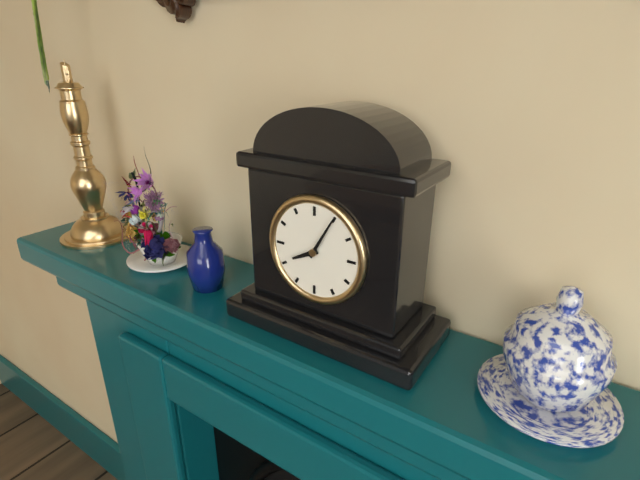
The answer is 8h05
